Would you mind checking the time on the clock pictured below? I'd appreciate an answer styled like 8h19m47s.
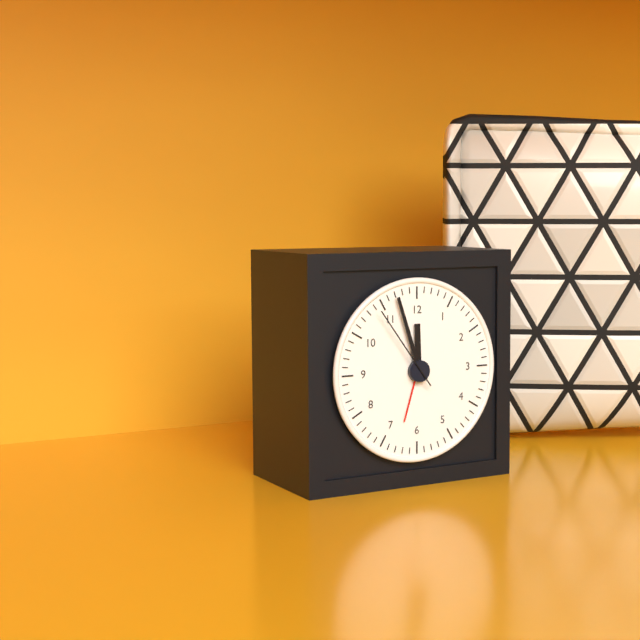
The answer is 11h57m54s
